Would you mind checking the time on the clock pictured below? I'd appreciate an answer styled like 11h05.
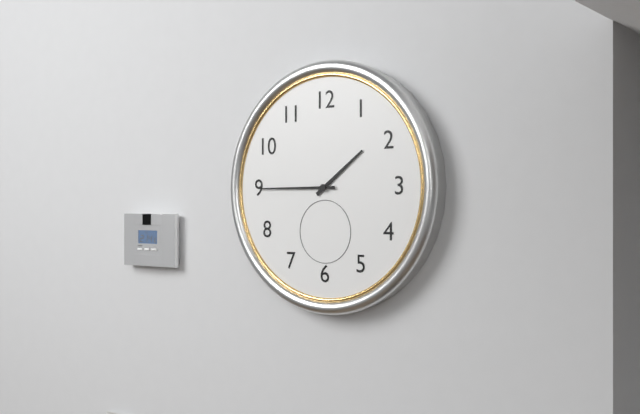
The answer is 1h45
